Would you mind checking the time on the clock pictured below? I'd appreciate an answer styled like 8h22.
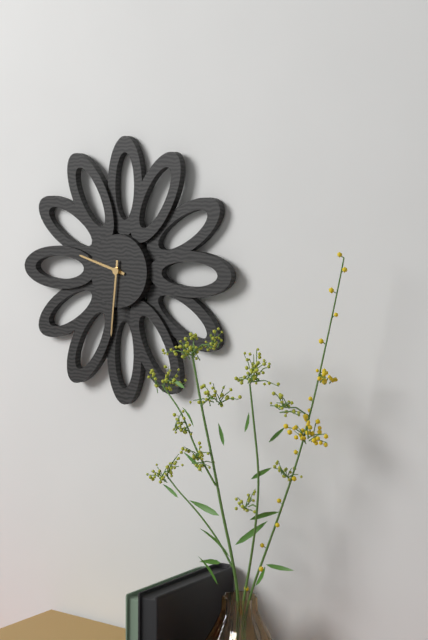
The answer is 9h31
